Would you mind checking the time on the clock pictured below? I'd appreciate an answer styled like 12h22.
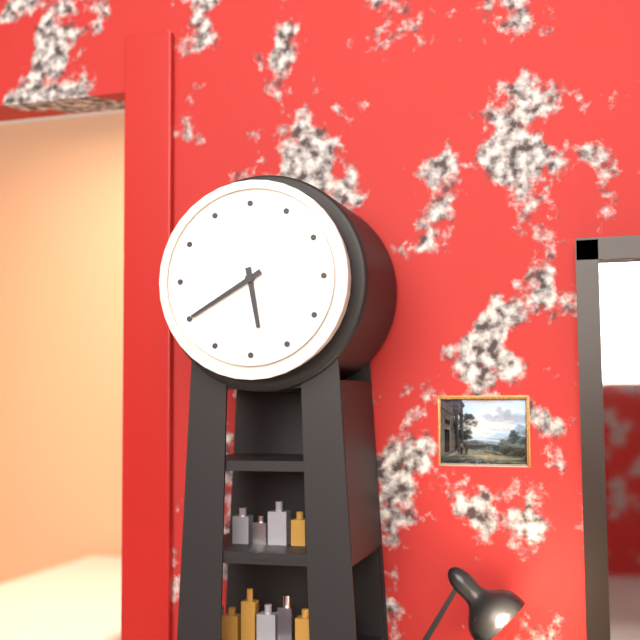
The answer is 5h40
